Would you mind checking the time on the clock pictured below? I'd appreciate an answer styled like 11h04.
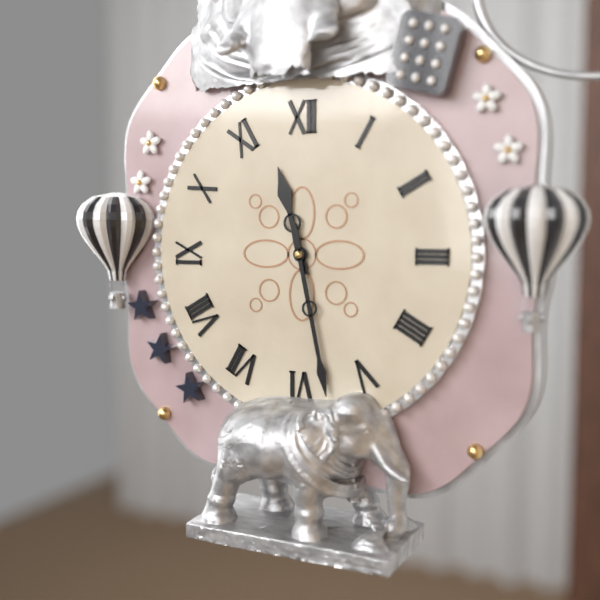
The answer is 11h28
